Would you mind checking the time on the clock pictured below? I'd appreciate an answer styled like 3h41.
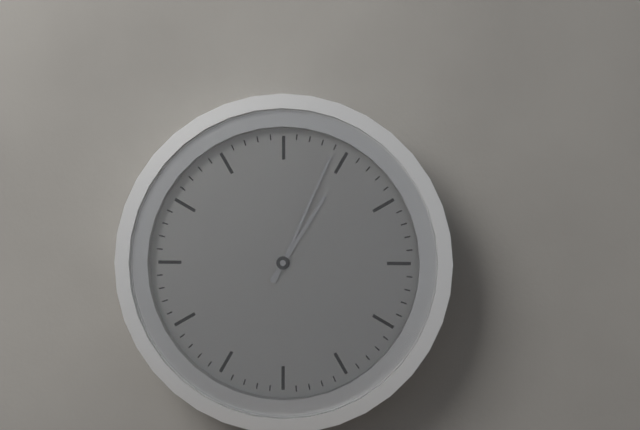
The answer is 1h04
